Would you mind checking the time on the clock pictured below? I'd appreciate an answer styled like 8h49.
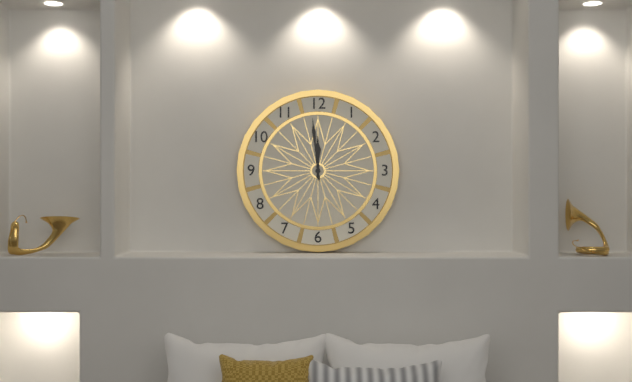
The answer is 11h59
